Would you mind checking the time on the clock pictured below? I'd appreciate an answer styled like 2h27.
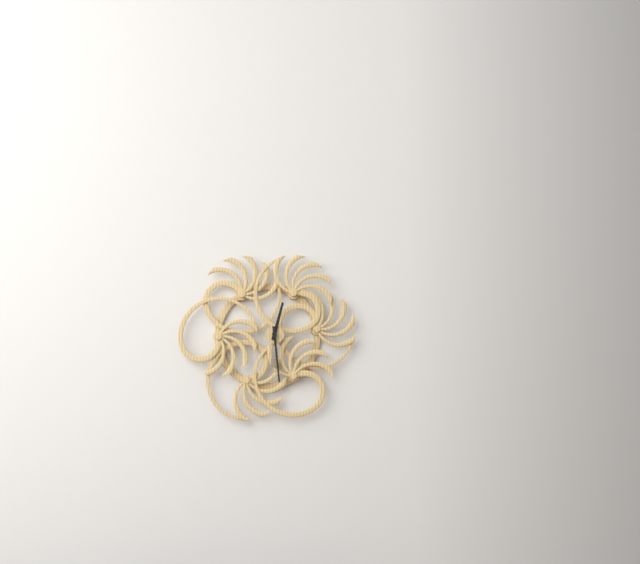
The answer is 12h29
